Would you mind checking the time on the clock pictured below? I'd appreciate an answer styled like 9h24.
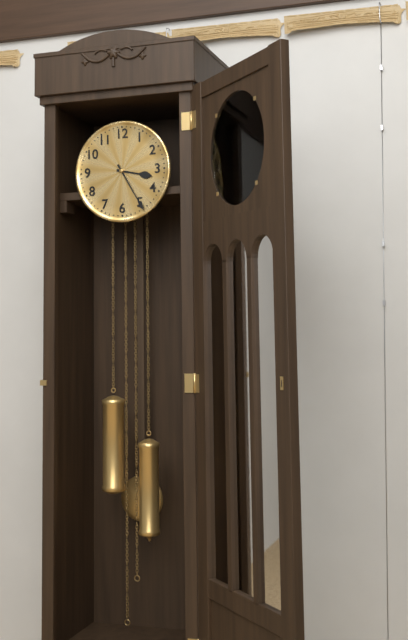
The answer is 3h25
